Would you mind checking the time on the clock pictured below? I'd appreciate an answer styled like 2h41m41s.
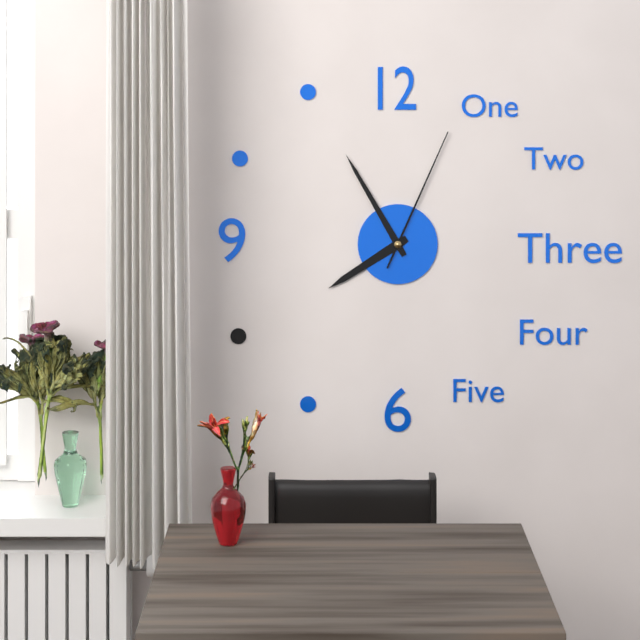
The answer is 7h55m04s
